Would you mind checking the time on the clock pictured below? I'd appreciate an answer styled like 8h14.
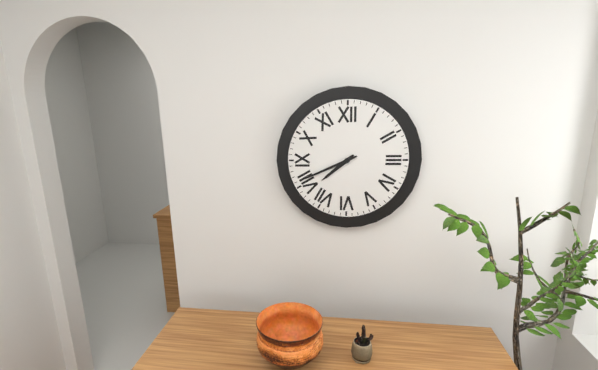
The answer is 7h41
